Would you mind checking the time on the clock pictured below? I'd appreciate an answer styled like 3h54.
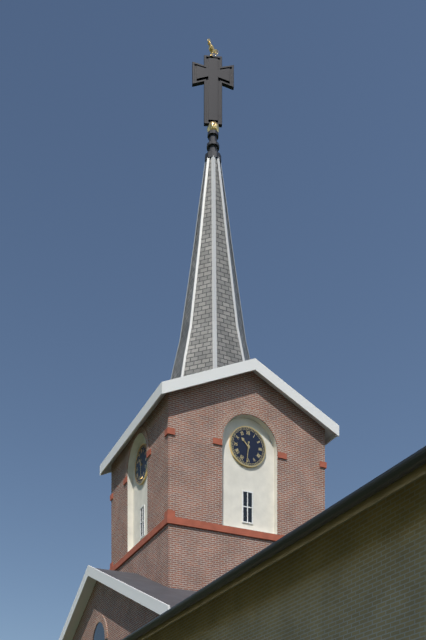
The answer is 10h31
